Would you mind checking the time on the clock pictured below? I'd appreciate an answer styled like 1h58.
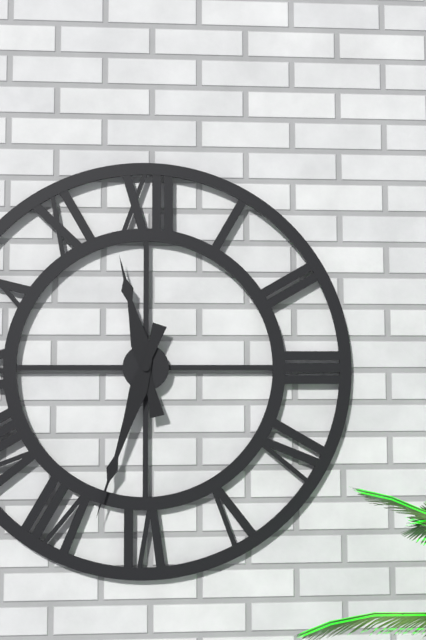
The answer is 11h33
